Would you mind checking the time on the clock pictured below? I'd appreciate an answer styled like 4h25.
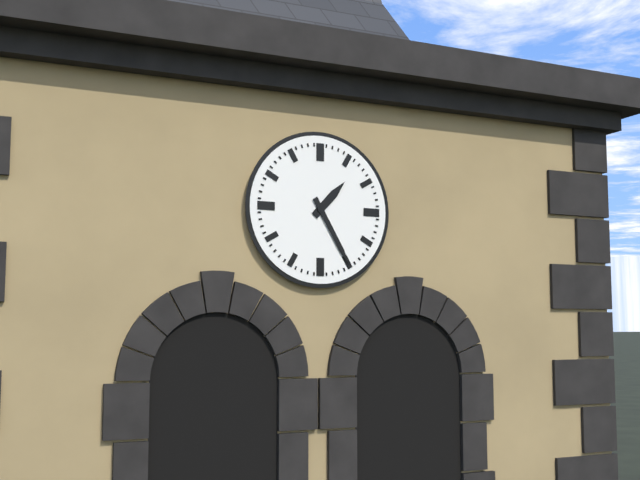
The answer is 1h25
